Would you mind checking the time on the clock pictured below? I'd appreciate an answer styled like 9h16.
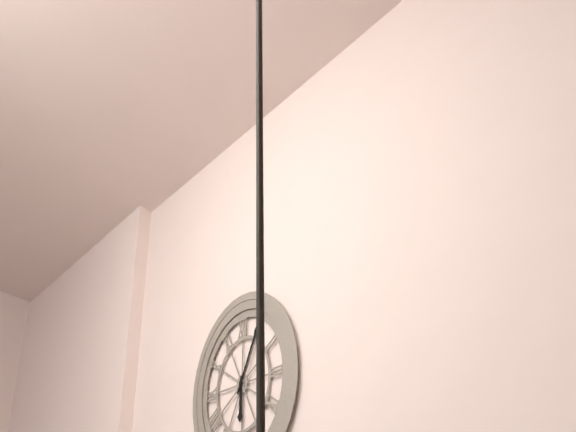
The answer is 6h05
